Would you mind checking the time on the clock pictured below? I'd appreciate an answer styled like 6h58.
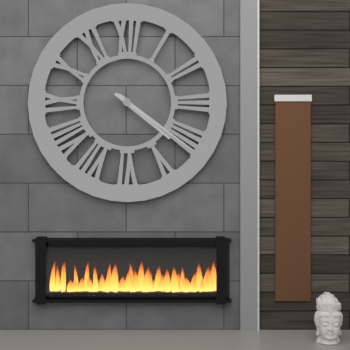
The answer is 4h21
